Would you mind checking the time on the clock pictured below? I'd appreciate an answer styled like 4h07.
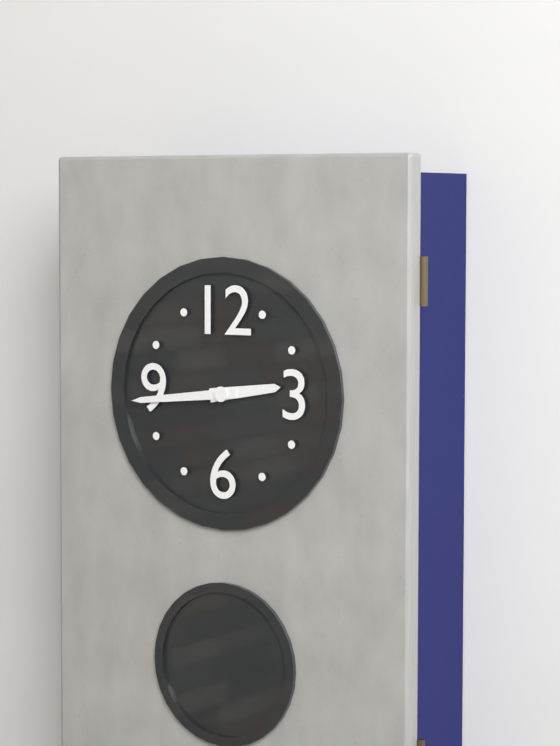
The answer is 2h44
